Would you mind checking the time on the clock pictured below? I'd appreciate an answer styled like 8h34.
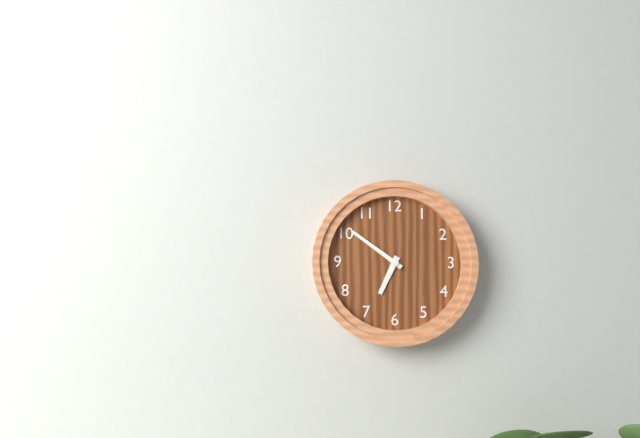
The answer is 6h51
